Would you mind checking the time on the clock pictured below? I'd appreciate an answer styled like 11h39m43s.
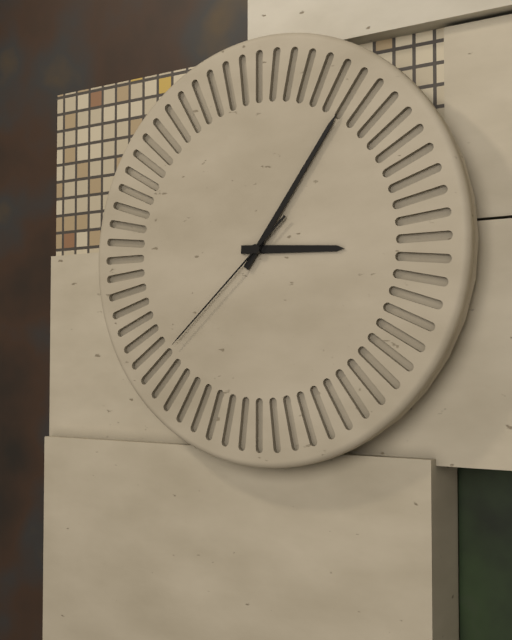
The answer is 3h06m38s
